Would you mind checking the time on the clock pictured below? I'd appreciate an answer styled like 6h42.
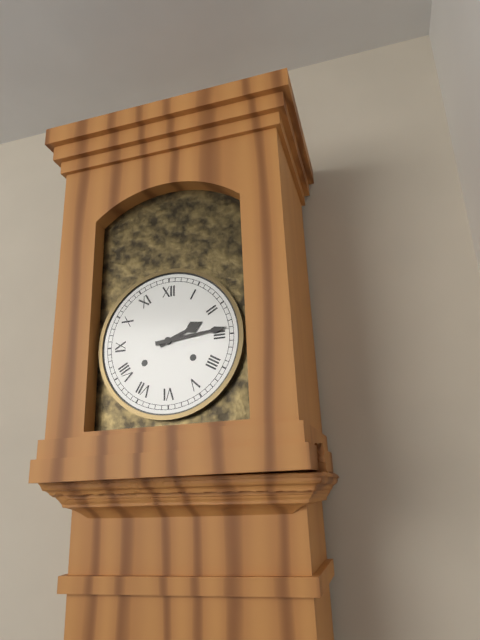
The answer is 2h14
